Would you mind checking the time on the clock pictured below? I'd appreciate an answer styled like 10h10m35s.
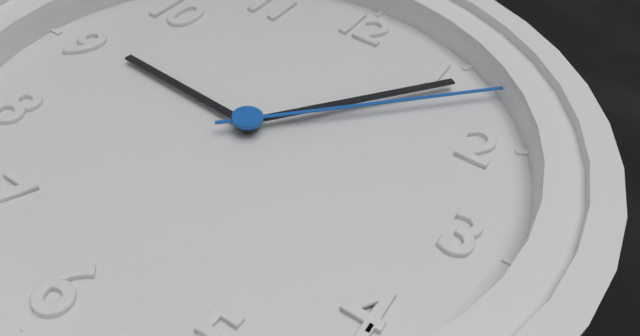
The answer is 9h06m07s
